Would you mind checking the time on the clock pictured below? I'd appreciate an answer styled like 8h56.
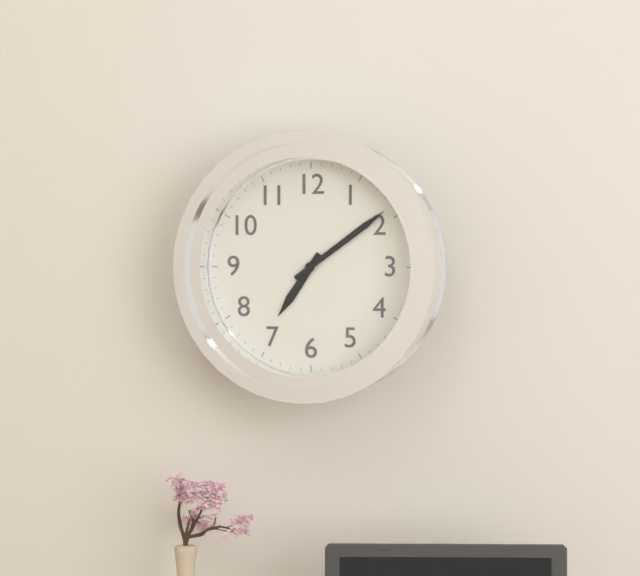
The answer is 7h09
